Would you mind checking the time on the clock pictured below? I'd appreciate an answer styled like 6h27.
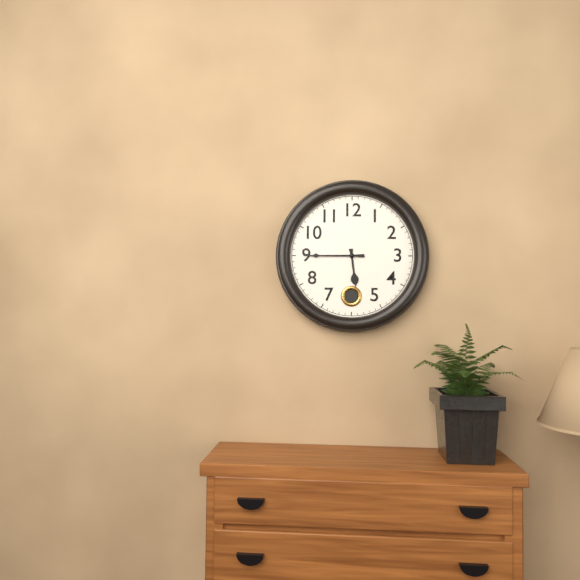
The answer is 5h45
